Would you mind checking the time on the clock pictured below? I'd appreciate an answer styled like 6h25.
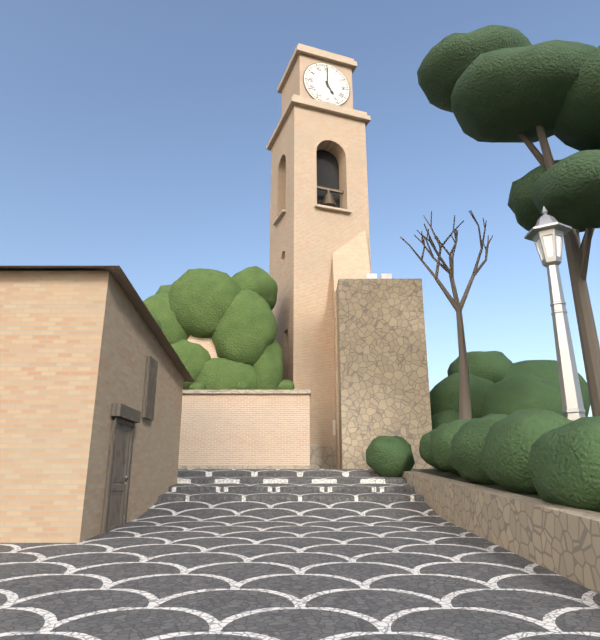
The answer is 5h00
